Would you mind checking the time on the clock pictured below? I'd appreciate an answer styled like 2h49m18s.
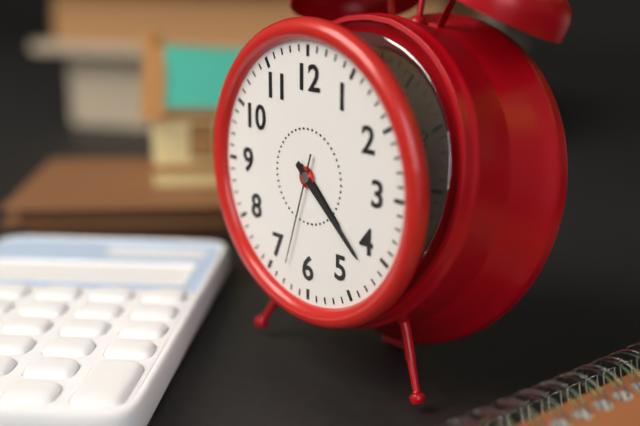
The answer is 4h22m33s
